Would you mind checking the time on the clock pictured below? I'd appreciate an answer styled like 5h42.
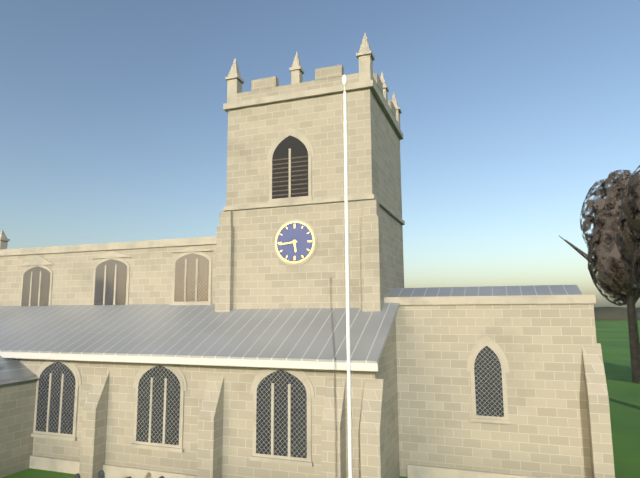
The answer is 5h44
